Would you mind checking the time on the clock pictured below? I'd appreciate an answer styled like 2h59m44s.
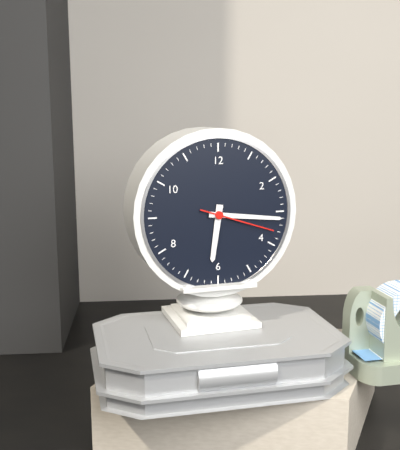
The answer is 6h16m18s
